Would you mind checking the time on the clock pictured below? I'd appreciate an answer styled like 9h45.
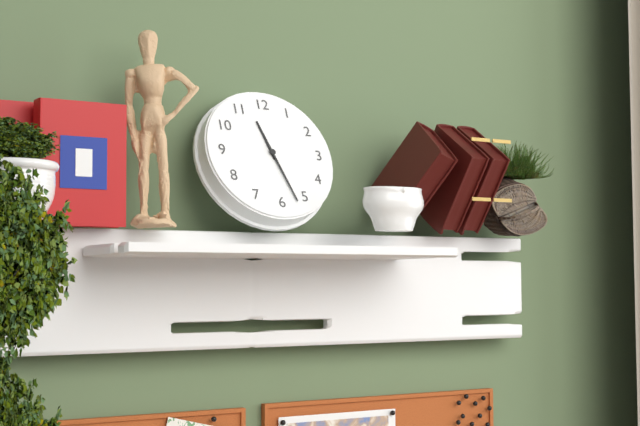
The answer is 11h27
